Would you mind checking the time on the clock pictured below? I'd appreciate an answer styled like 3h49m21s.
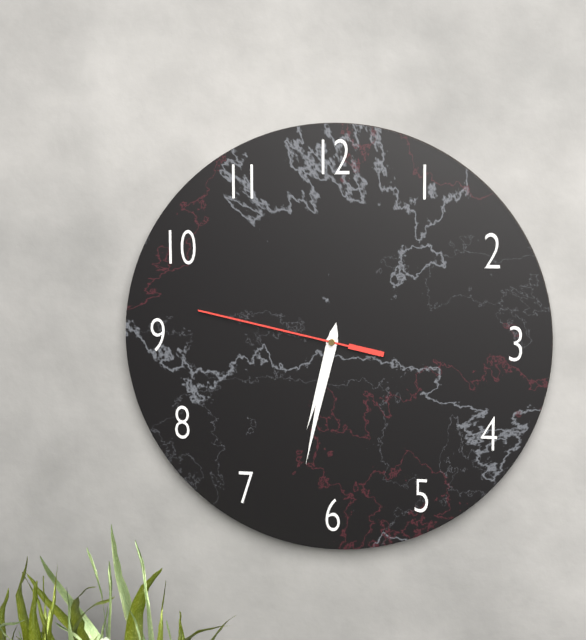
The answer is 6h32m47s
